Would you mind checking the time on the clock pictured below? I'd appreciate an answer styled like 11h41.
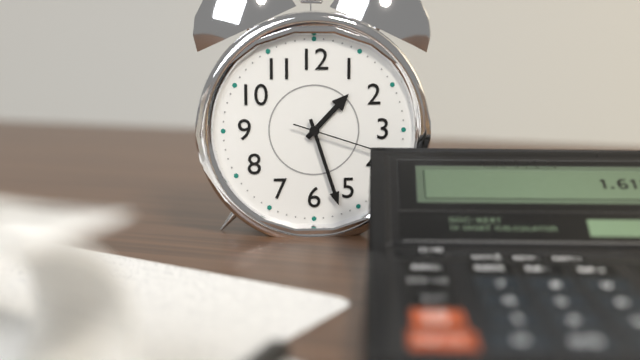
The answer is 1h27
